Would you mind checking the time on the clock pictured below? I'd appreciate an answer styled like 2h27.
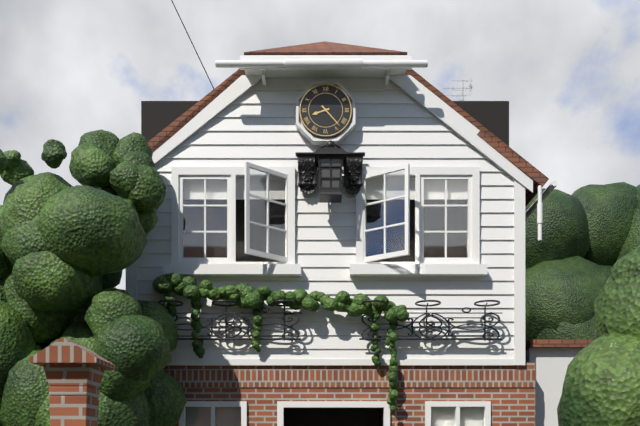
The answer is 8h23
